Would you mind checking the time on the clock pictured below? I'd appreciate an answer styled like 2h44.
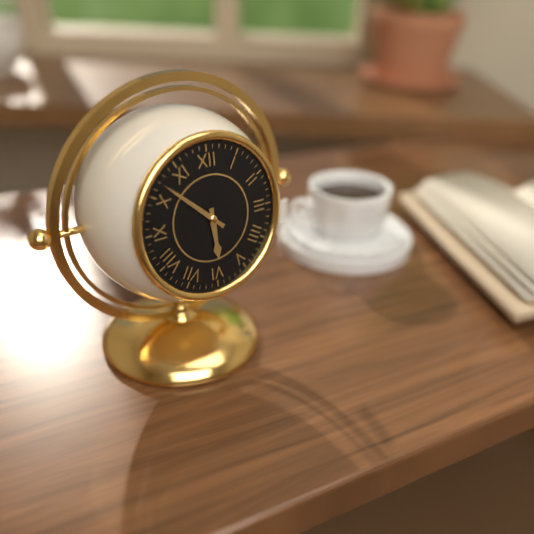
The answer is 5h52
